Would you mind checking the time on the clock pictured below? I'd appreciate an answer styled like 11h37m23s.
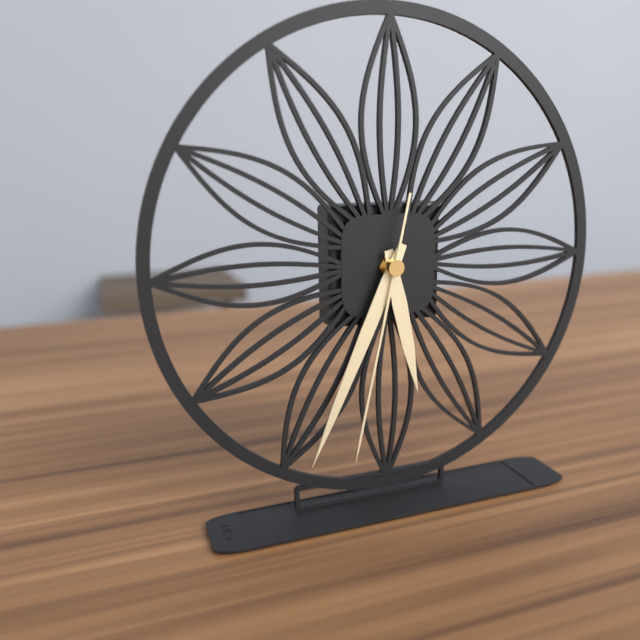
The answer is 5h34m32s
